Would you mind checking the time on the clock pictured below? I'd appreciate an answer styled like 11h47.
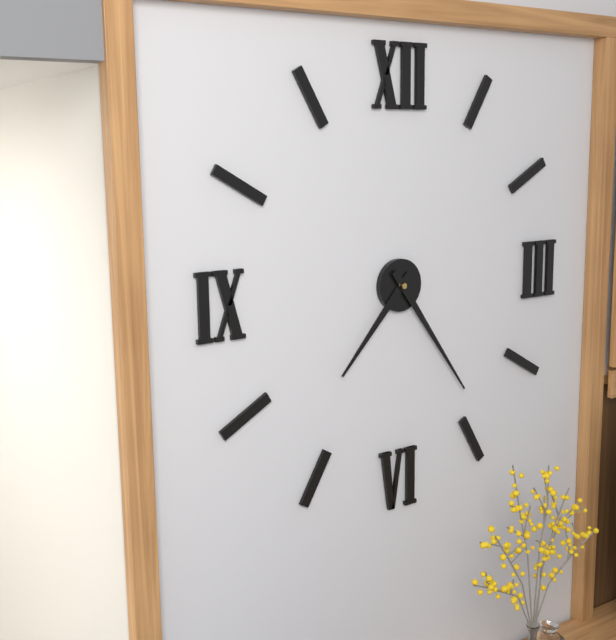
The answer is 7h24
